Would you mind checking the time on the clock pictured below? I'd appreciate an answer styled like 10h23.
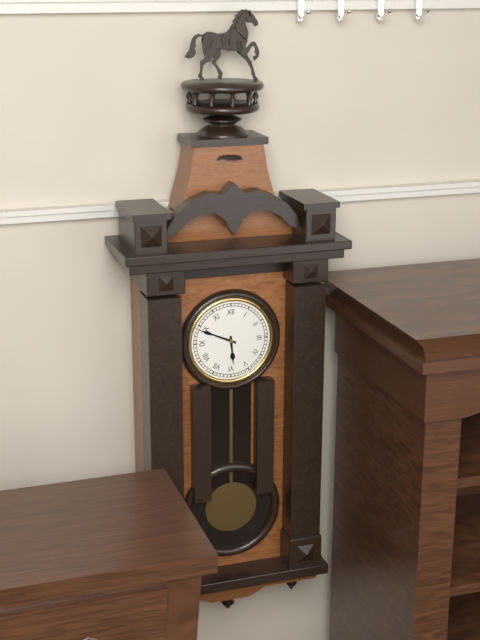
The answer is 5h49
